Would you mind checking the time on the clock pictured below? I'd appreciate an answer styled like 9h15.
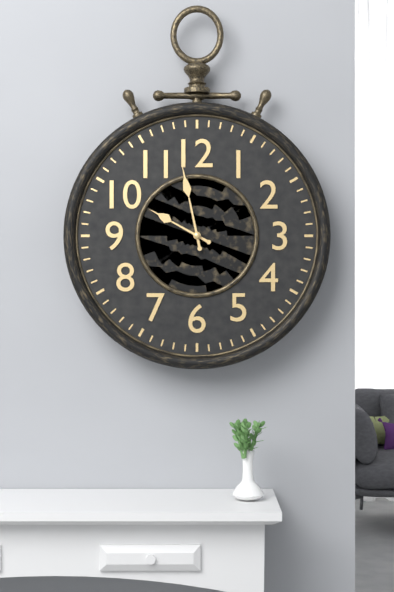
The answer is 9h58
